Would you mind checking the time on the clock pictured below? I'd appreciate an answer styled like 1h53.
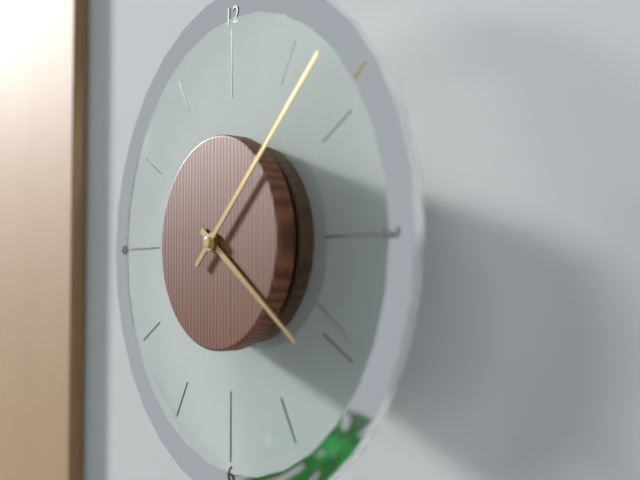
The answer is 4h08
